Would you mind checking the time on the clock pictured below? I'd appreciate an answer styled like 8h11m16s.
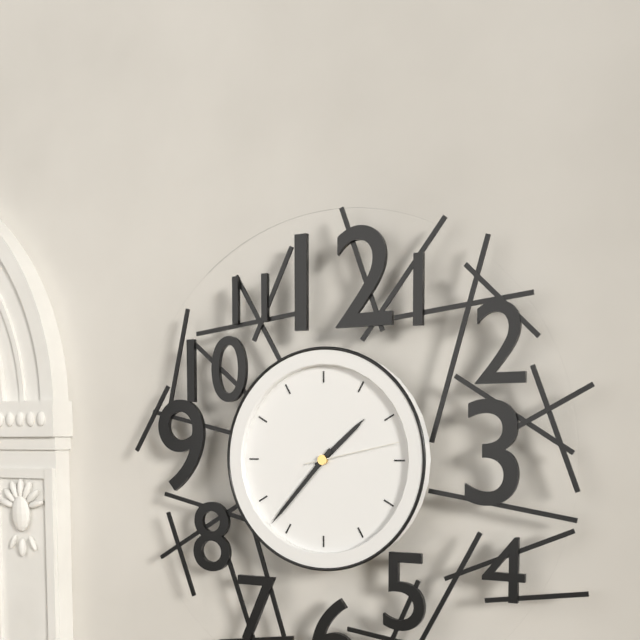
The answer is 1h37m13s
